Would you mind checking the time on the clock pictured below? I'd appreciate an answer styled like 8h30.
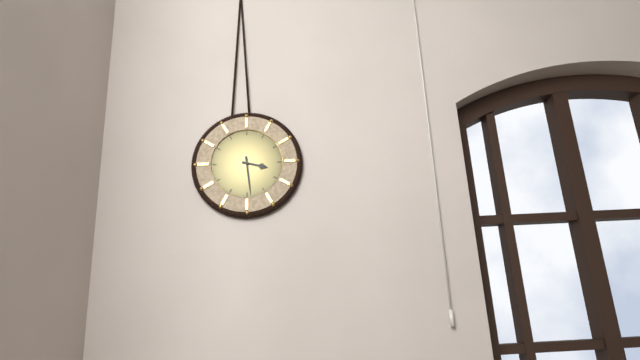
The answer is 3h29
